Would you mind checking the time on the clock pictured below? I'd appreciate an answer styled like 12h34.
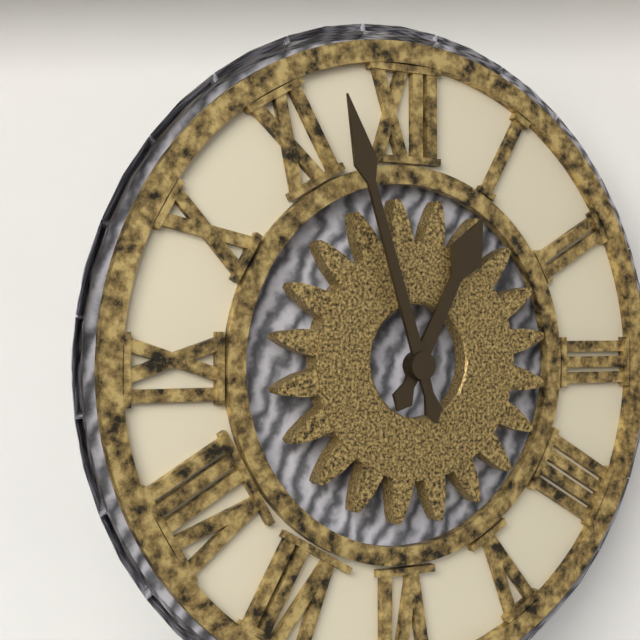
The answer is 12h57
